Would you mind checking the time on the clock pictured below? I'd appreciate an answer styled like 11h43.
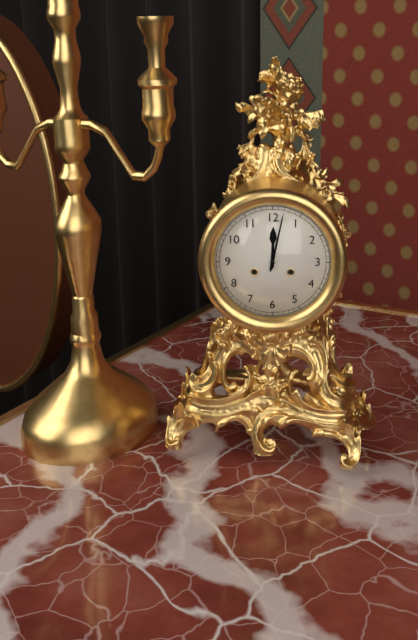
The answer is 12h02
